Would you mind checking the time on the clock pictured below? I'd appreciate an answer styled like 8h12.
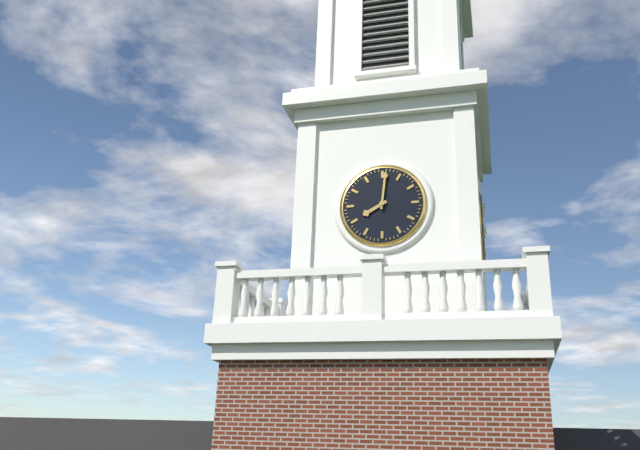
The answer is 8h01
